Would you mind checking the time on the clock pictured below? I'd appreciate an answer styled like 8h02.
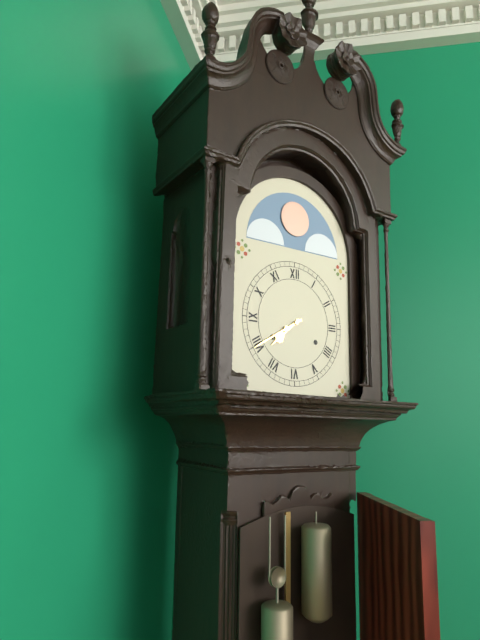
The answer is 7h40
